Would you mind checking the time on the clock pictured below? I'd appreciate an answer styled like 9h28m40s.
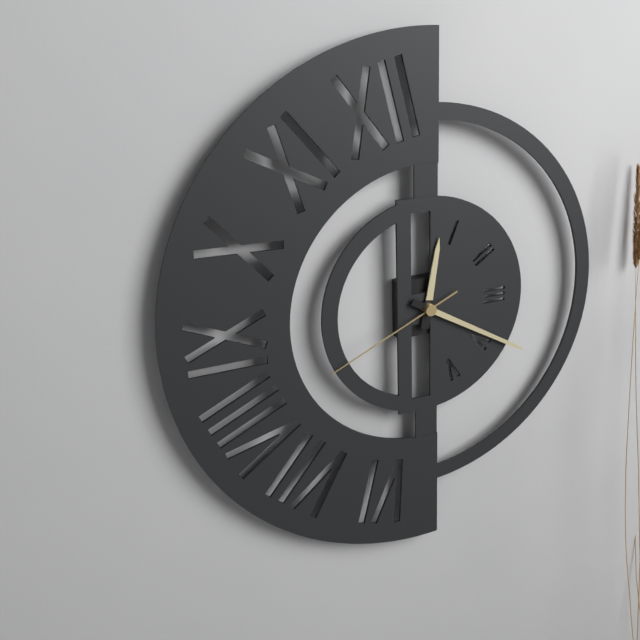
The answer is 12h20m41s
